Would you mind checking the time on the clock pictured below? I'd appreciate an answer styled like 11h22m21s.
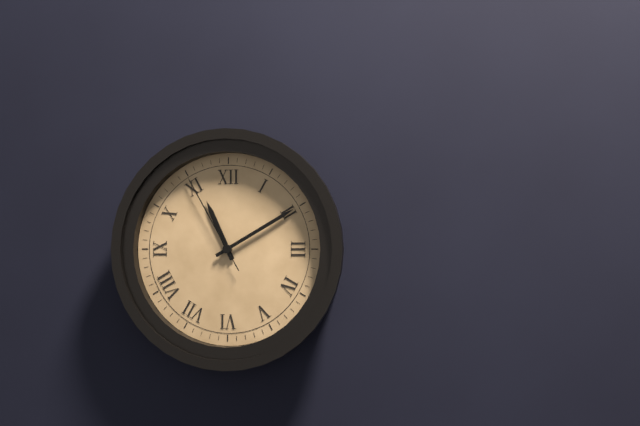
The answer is 11h10m55s
